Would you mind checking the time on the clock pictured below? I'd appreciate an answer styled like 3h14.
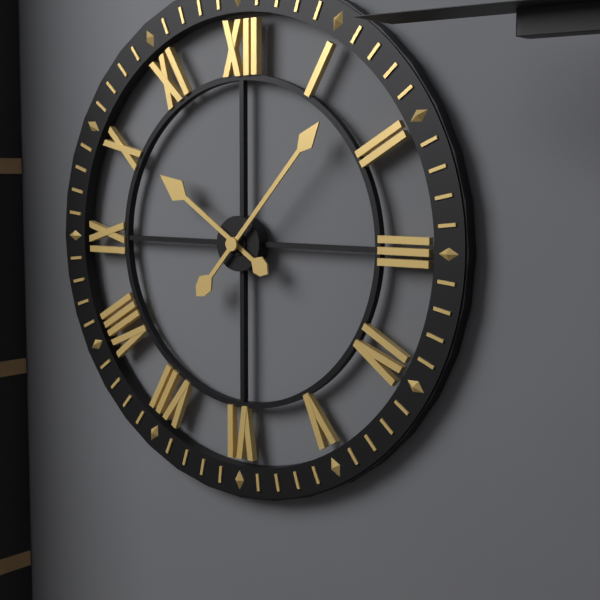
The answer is 10h07
